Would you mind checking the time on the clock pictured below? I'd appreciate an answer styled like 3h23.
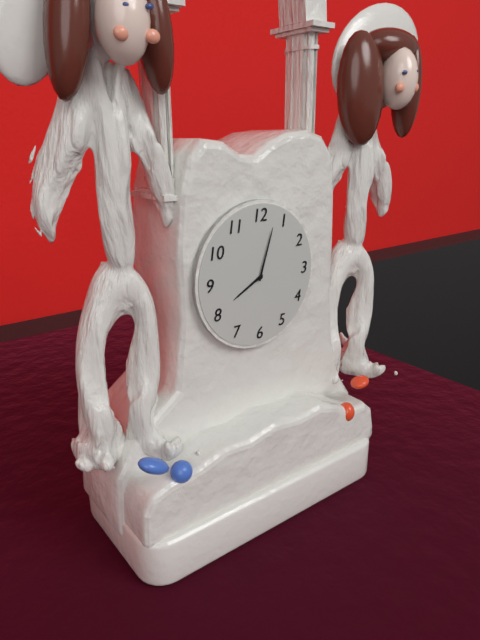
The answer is 8h03
